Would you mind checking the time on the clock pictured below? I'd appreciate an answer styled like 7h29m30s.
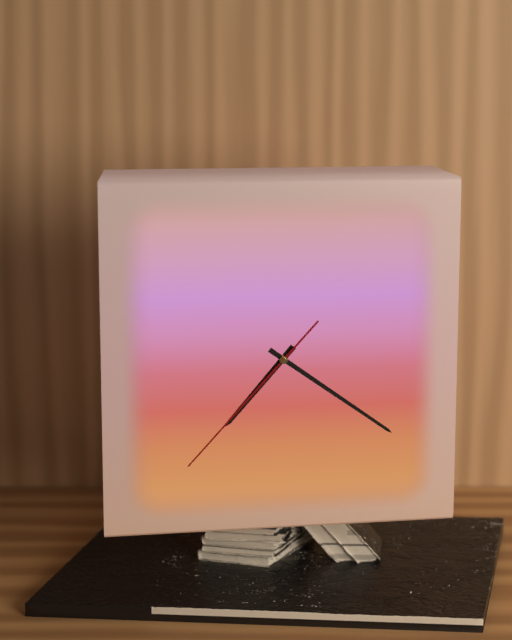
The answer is 7h21m37s
